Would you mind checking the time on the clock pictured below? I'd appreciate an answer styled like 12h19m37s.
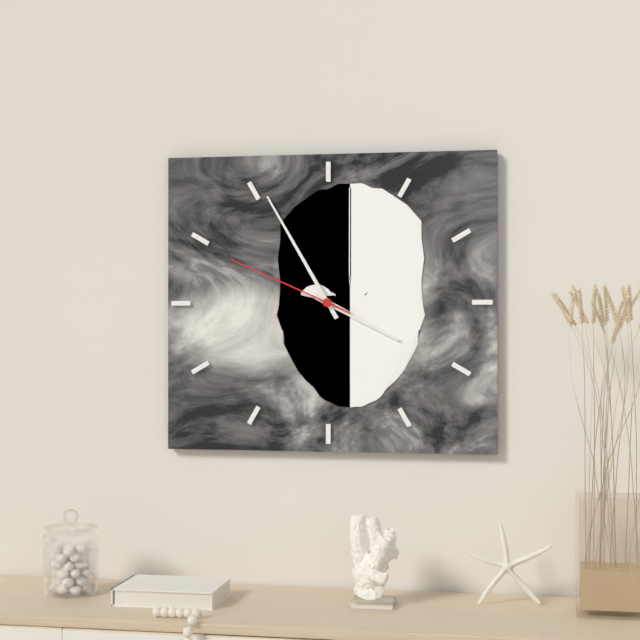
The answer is 3h55m49s
